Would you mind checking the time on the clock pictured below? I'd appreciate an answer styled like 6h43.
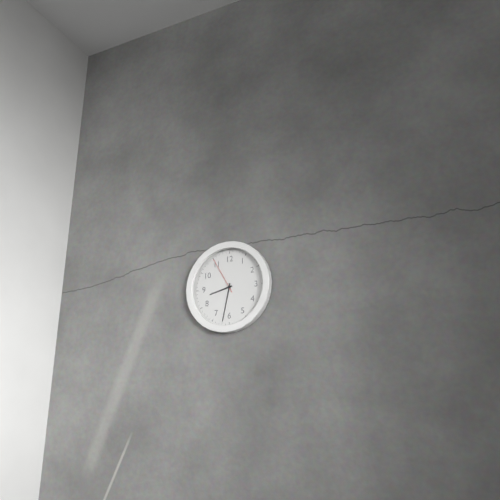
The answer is 8h32
